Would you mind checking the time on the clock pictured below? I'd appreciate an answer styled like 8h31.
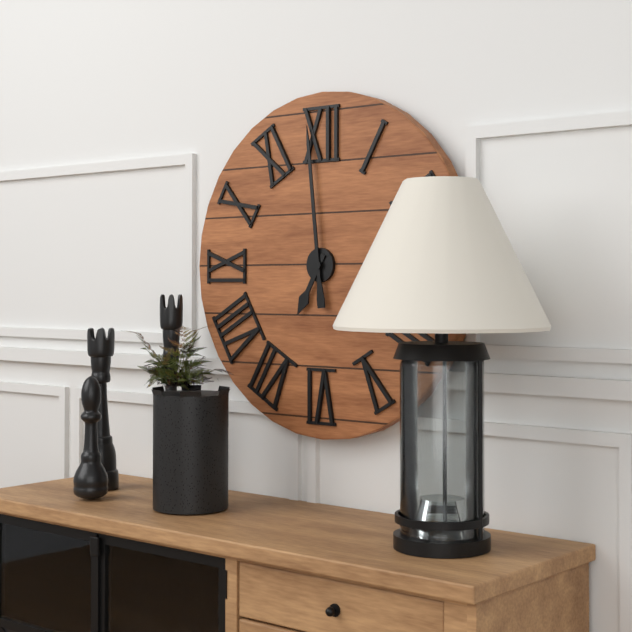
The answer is 6h59
